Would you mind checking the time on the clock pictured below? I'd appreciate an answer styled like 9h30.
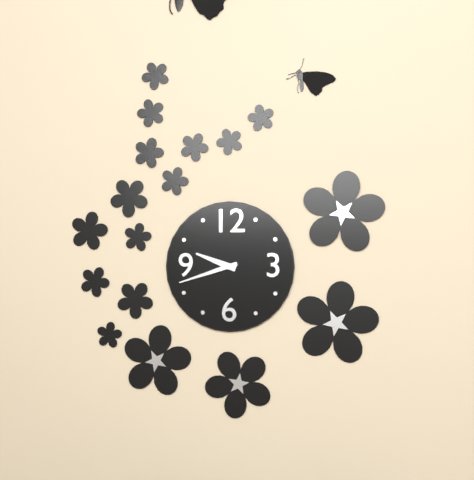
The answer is 9h42
